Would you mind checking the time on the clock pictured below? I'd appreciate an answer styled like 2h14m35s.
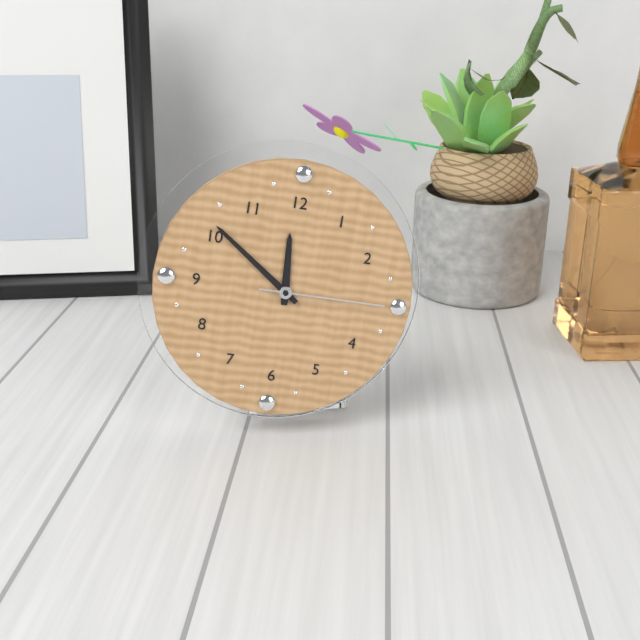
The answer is 11h51m15s
